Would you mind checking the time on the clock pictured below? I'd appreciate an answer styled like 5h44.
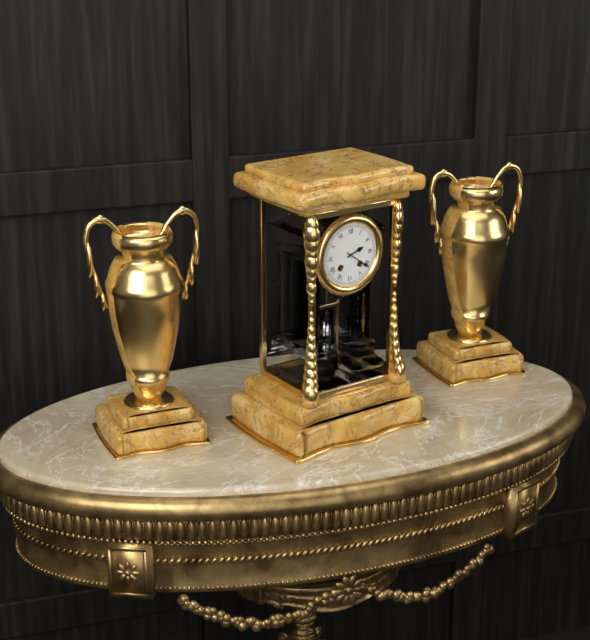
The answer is 2h21
